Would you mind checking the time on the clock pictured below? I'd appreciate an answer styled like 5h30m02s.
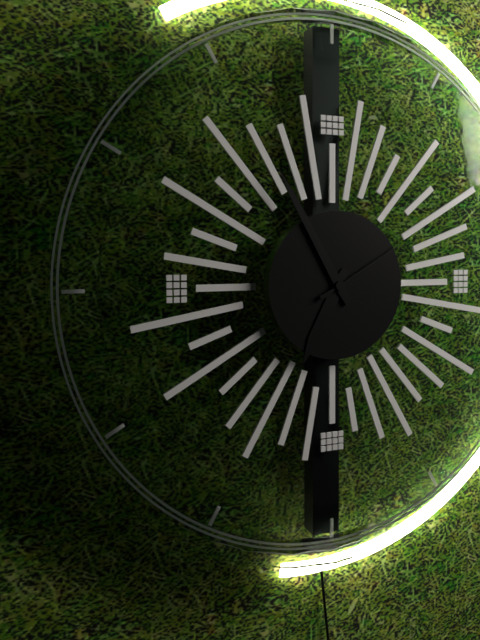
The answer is 6h55m10s
